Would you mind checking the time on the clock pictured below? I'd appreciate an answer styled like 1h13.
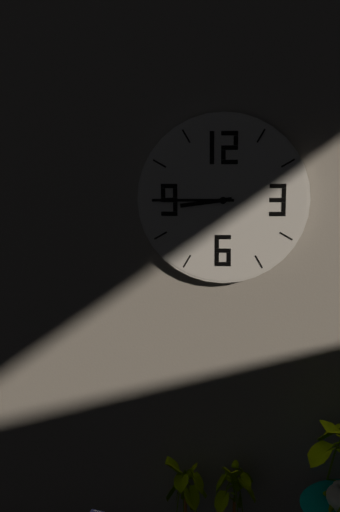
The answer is 8h45
